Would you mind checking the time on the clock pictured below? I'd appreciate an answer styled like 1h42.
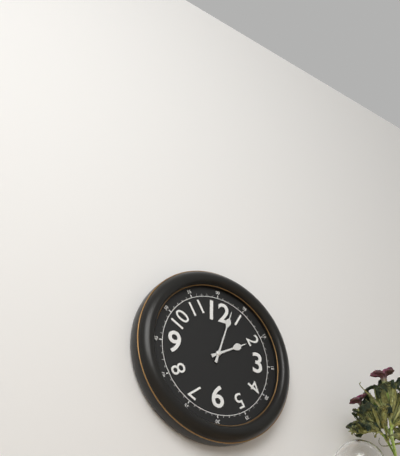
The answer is 2h03
